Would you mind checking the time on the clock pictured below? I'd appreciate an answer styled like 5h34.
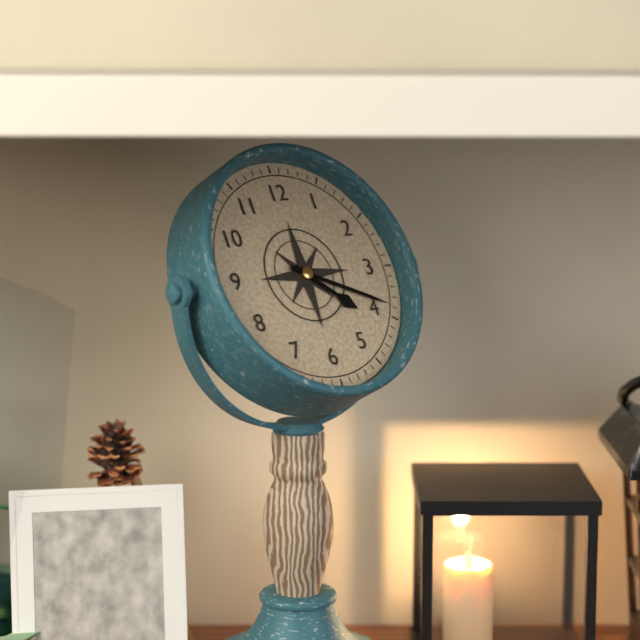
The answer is 4h19
